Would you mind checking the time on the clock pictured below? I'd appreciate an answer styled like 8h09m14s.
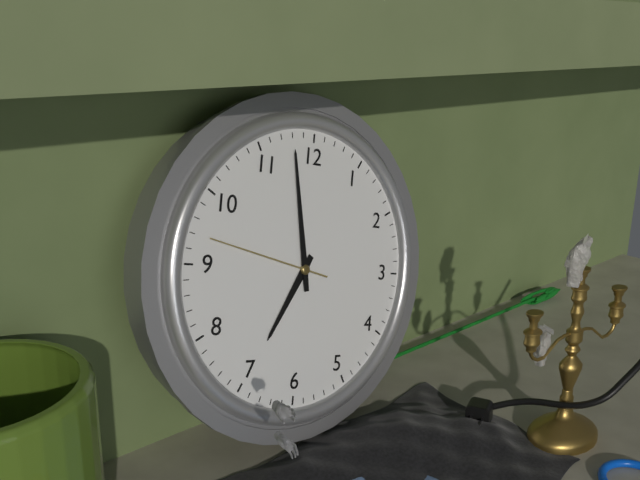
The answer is 6h58m47s
